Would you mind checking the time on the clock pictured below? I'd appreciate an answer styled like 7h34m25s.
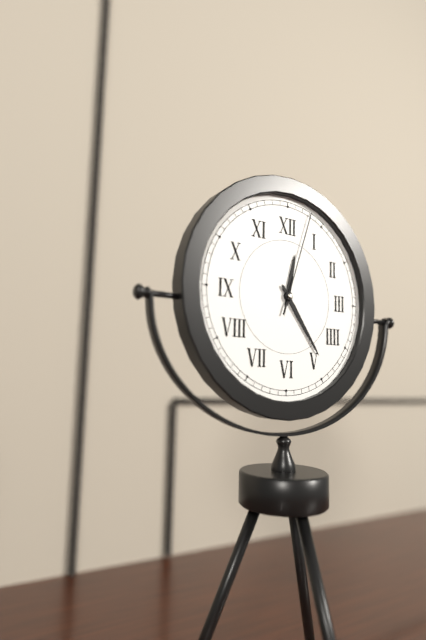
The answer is 12h24m03s
